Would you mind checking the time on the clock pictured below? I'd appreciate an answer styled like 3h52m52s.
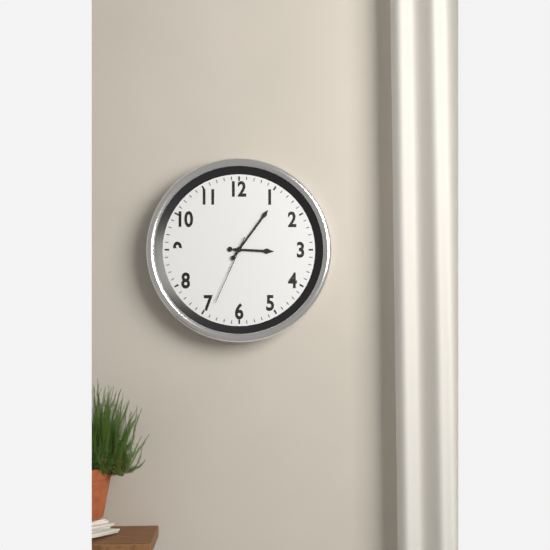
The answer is 3h06m34s
